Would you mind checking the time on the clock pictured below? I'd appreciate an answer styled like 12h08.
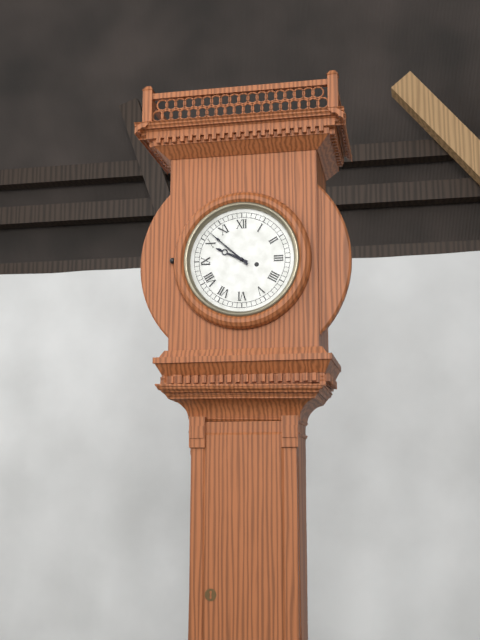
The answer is 9h52
